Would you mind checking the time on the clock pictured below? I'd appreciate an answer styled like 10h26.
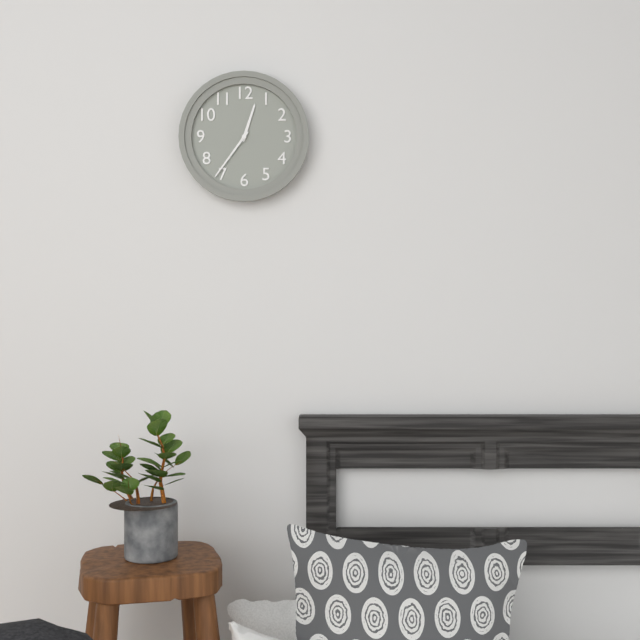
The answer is 12h36
